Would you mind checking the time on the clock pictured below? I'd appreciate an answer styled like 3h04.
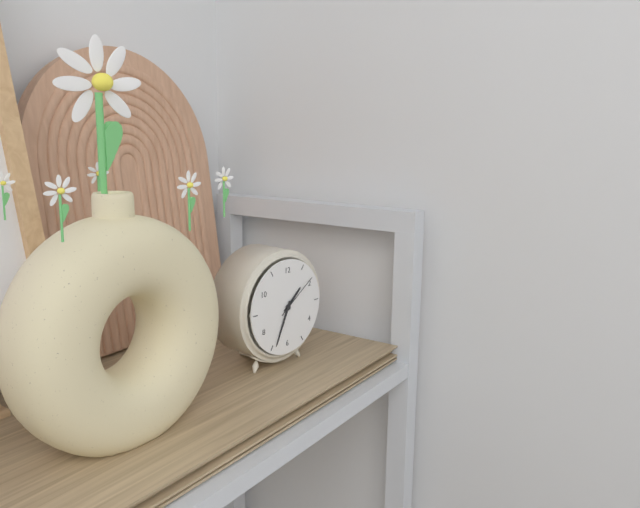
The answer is 1h34
